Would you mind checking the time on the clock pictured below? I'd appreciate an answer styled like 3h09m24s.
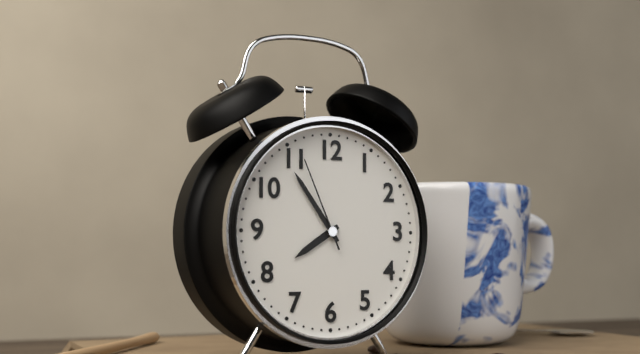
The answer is 7h54m56s
